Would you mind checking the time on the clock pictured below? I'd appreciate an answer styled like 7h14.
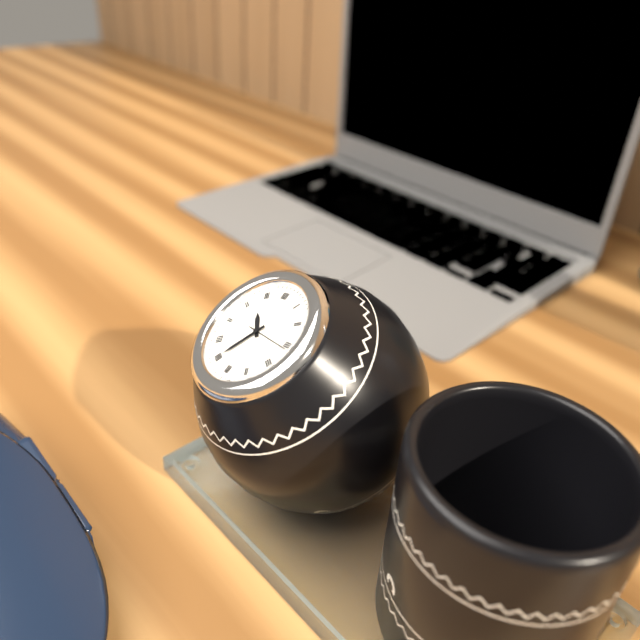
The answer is 10h35
